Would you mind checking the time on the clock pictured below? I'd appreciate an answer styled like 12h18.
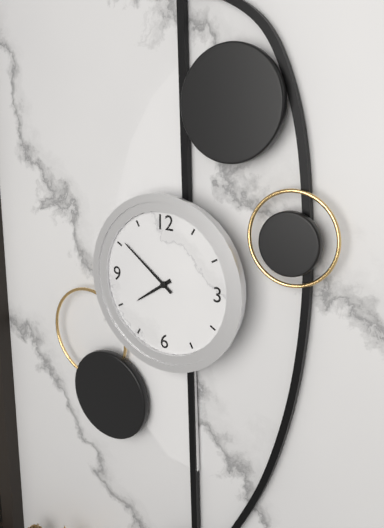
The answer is 7h51
